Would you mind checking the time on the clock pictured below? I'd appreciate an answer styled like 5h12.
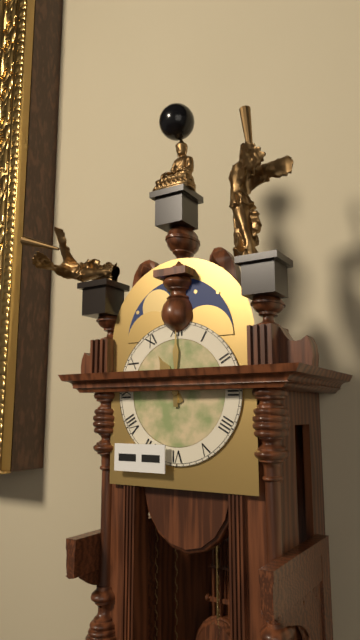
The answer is 11h00
